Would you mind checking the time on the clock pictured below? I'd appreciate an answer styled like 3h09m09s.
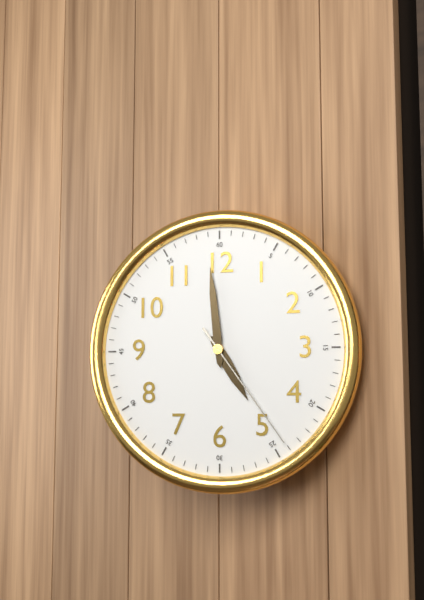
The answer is 4h59m24s
